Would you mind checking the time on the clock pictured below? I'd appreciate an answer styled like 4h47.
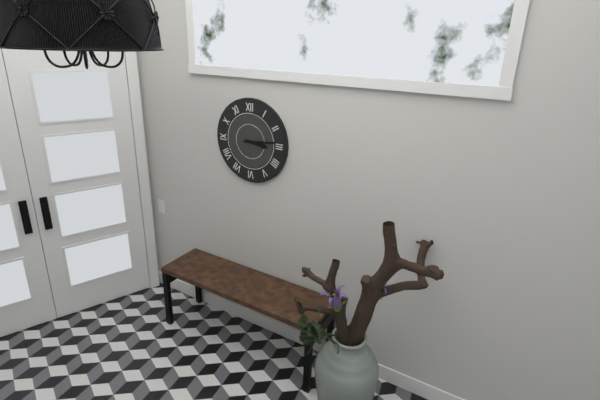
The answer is 3h14
